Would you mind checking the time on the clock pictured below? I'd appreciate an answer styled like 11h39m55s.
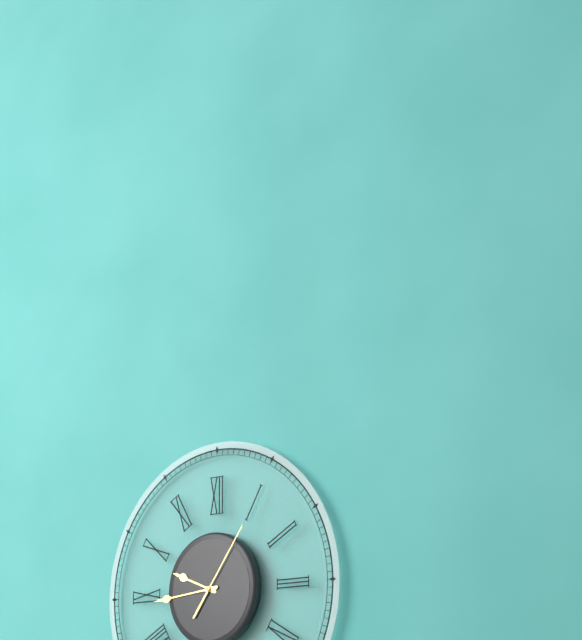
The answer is 9h44m06s
